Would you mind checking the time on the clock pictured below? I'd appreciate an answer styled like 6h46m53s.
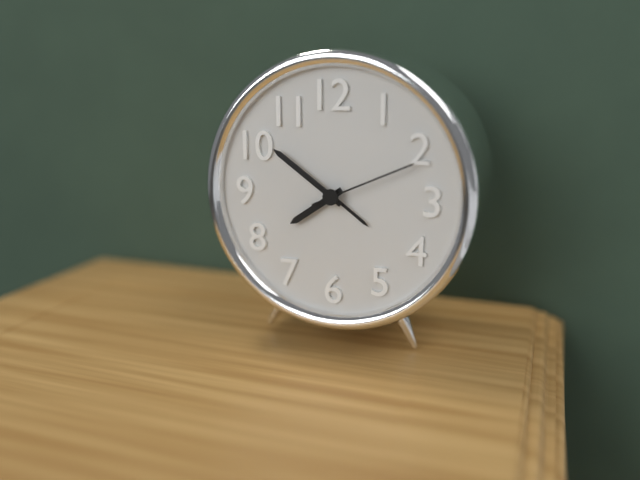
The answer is 7h51m11s
